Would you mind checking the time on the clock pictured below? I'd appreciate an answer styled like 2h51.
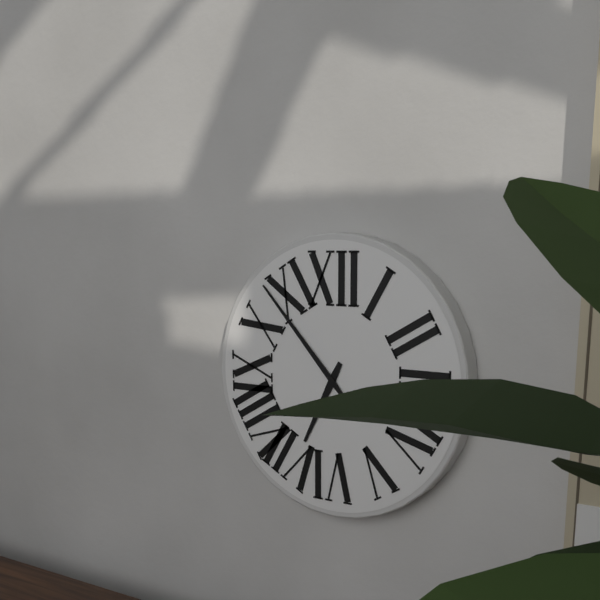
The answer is 6h53
